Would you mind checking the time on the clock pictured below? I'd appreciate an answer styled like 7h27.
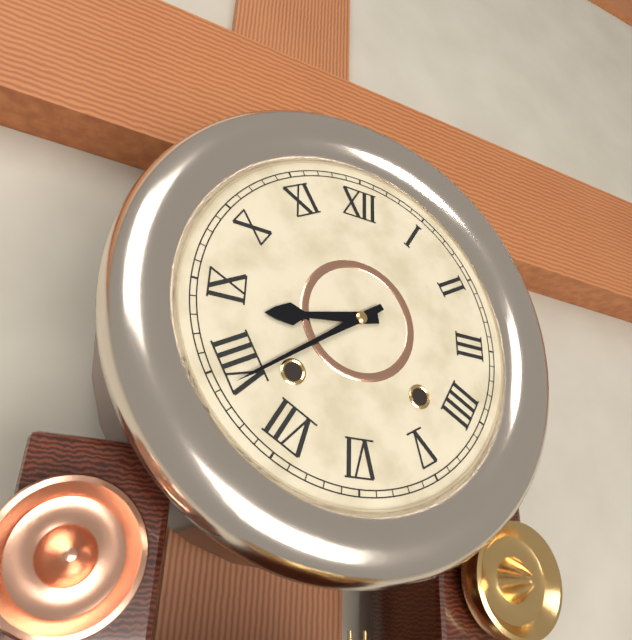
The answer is 8h39
